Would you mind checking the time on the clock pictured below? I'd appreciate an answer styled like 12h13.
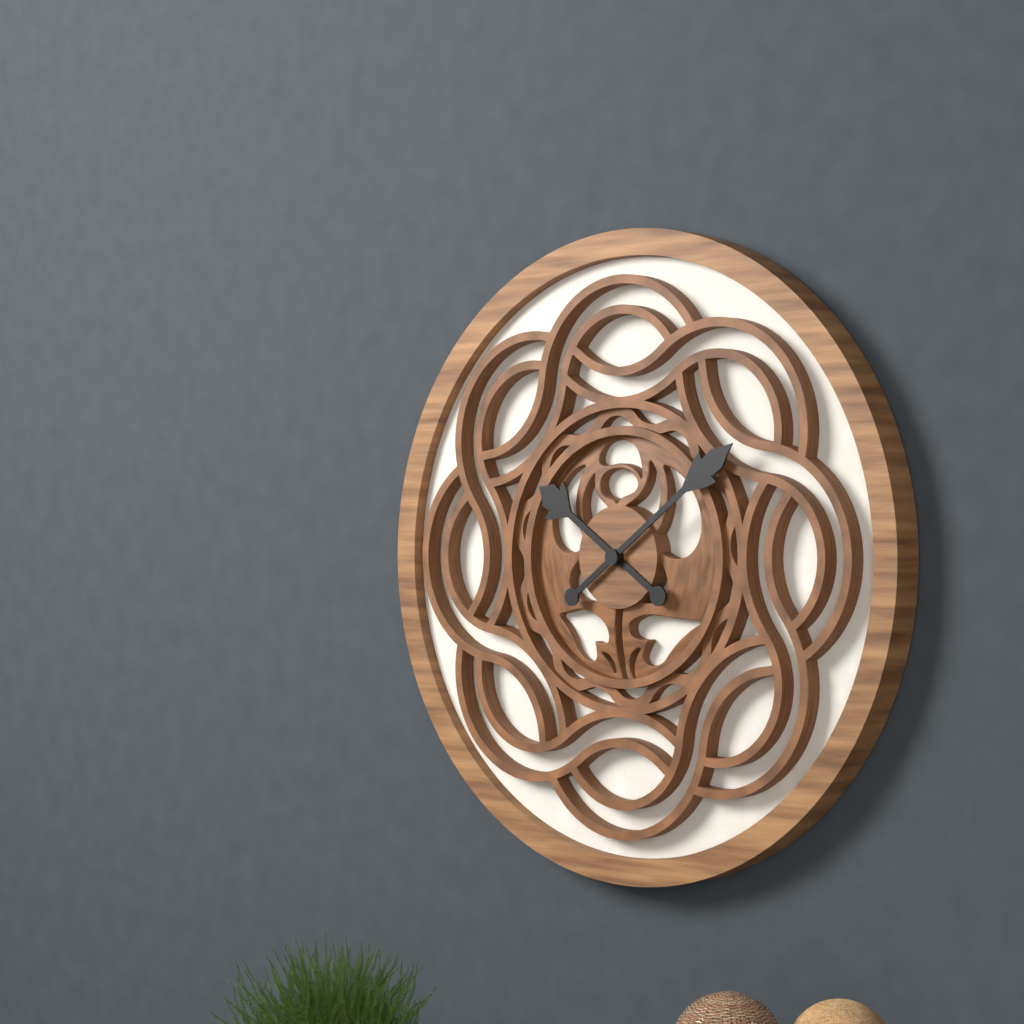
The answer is 10h09
